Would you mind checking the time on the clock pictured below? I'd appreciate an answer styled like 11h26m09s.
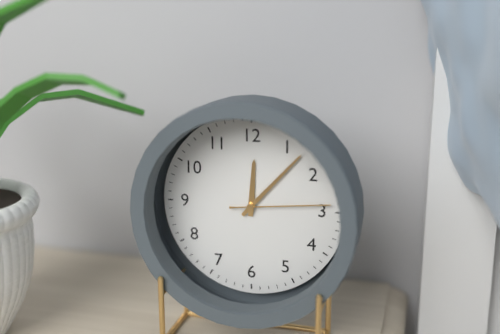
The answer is 12h07m14s
